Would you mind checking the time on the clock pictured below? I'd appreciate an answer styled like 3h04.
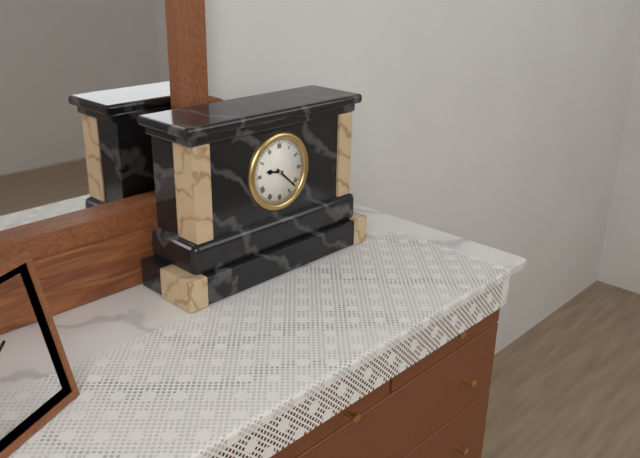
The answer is 9h22
